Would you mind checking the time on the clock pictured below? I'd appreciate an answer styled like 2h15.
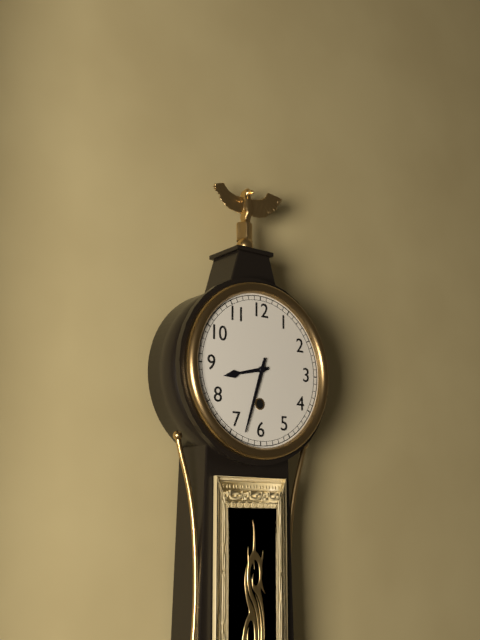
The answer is 8h33
